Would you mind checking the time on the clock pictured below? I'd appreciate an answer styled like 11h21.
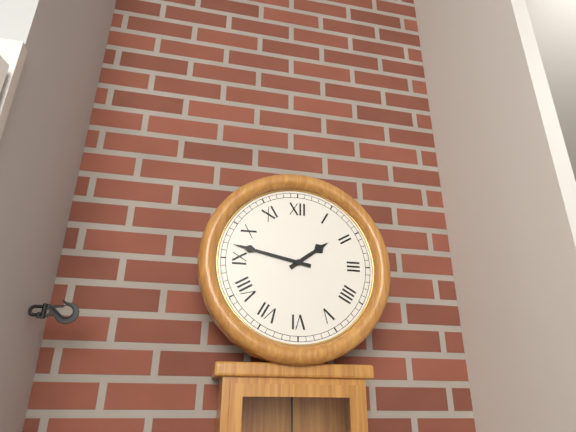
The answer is 1h47
